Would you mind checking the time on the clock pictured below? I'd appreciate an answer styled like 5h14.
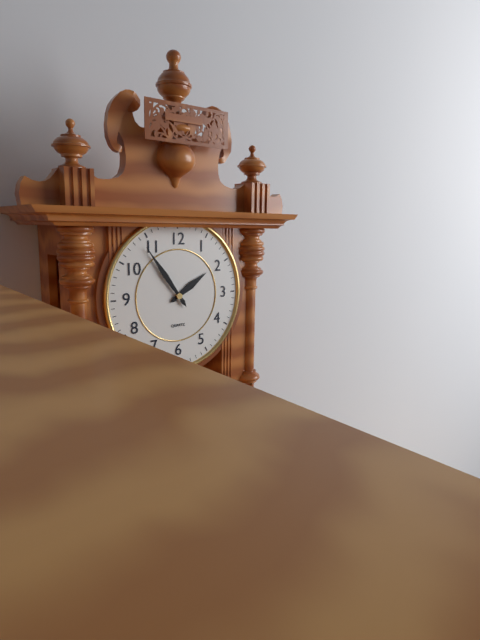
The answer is 1h54
